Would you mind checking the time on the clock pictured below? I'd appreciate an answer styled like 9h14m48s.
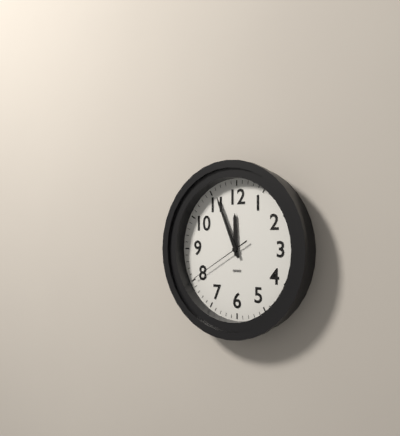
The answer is 11h56m40s
